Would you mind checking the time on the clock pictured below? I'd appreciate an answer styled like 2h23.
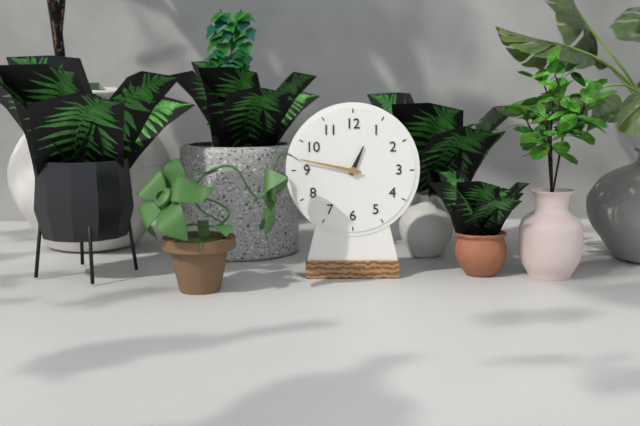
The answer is 12h47
